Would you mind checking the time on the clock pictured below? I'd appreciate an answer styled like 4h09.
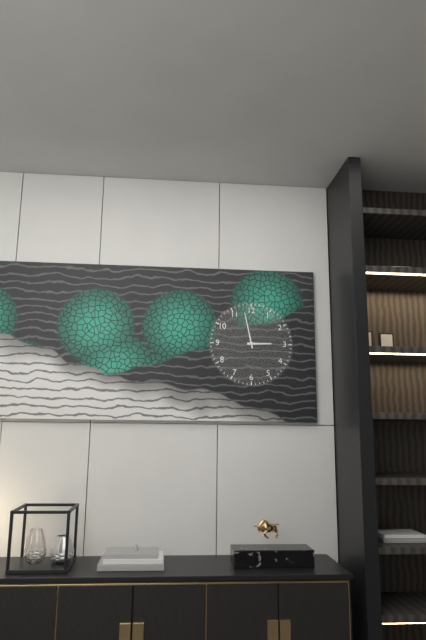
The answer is 2h58
